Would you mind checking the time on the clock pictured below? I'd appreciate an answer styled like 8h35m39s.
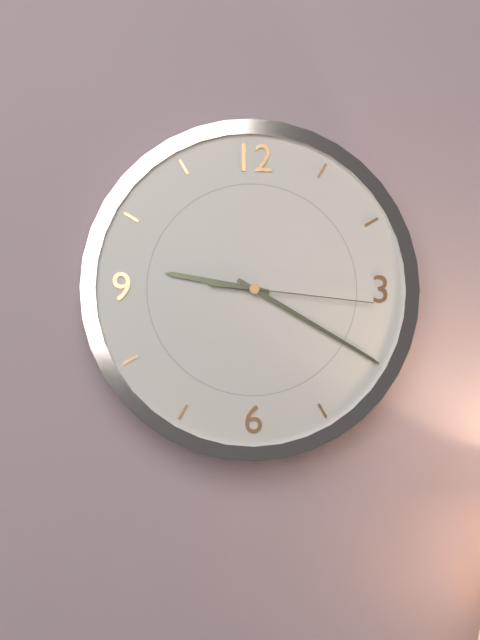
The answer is 9h20m16s
